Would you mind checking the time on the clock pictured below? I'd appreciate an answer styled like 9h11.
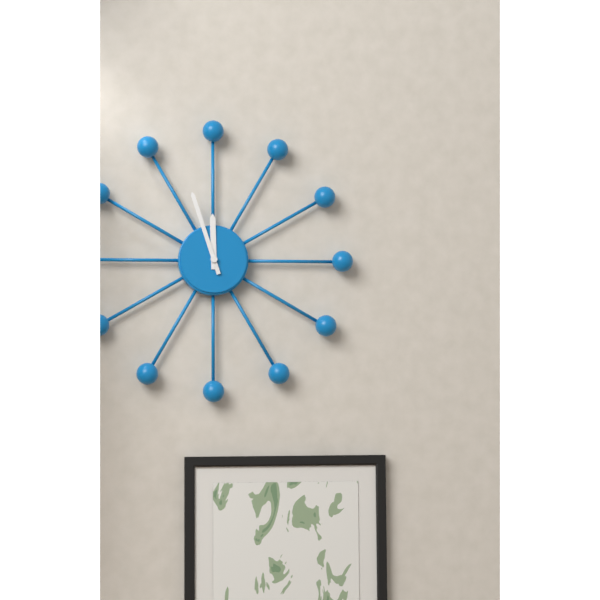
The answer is 11h57
